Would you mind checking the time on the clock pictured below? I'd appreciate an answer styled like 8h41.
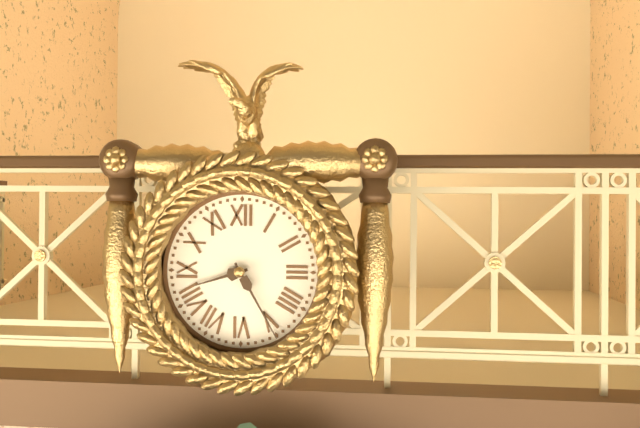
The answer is 8h25
